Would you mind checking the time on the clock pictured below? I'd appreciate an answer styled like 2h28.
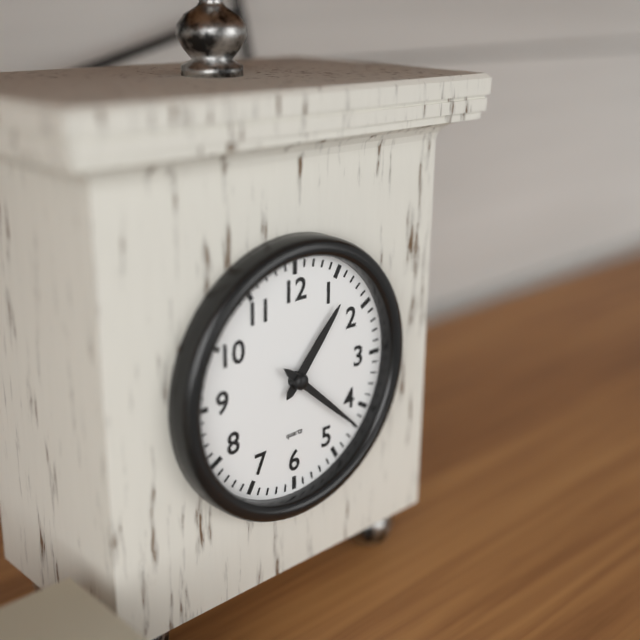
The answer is 1h22
